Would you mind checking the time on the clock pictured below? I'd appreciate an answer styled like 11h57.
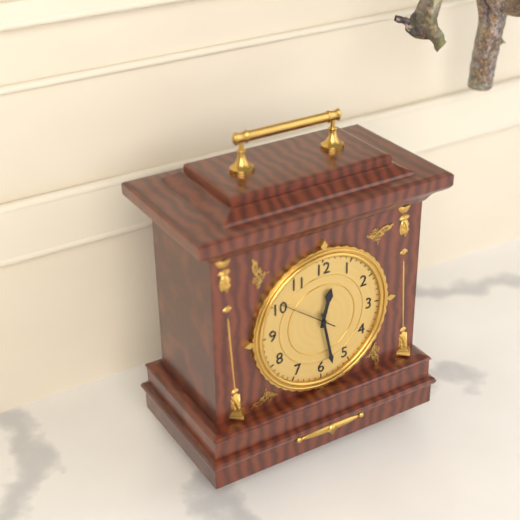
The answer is 12h28
